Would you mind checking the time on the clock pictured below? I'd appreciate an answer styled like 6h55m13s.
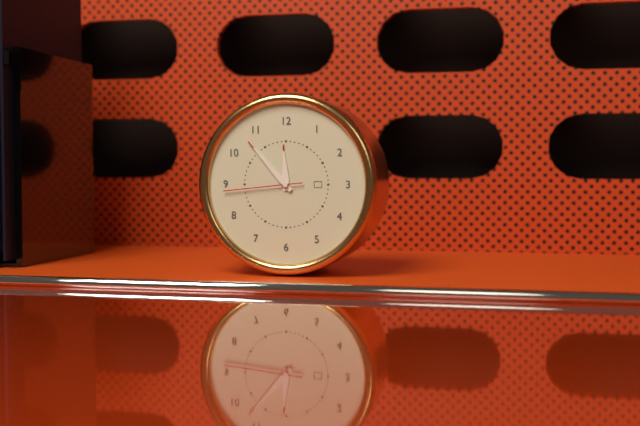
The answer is 11h53m44s
